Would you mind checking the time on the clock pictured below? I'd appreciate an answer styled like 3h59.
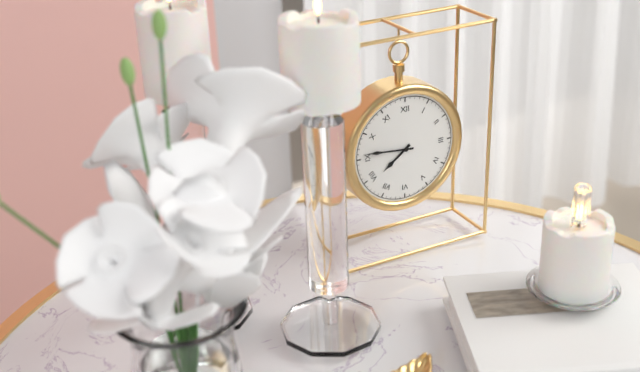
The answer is 7h46
